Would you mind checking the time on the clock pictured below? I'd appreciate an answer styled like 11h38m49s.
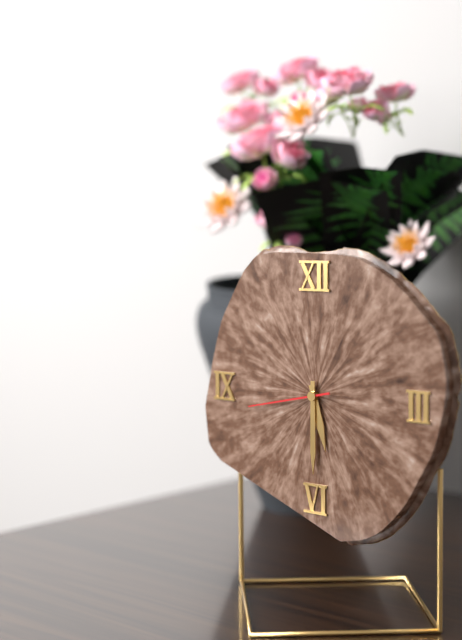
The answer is 5h30m43s
